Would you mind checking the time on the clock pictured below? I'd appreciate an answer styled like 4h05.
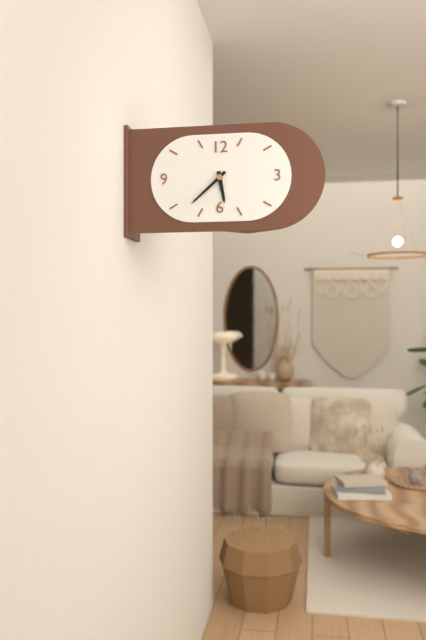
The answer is 5h38
